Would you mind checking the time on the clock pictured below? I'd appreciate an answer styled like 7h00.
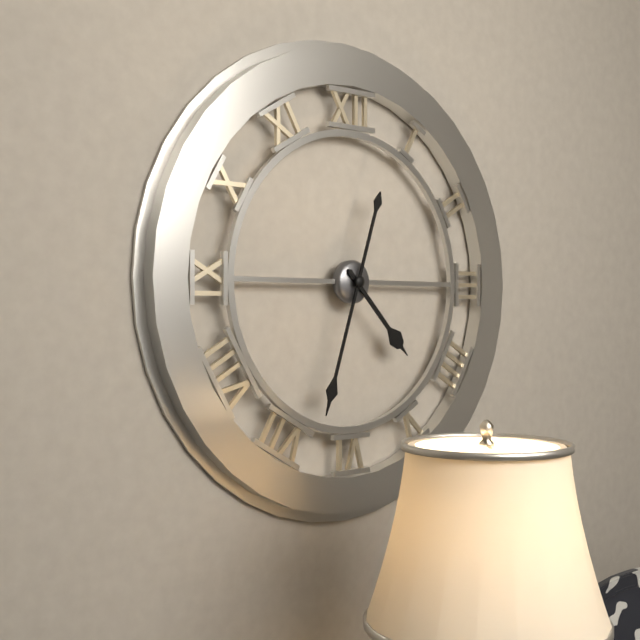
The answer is 4h33
